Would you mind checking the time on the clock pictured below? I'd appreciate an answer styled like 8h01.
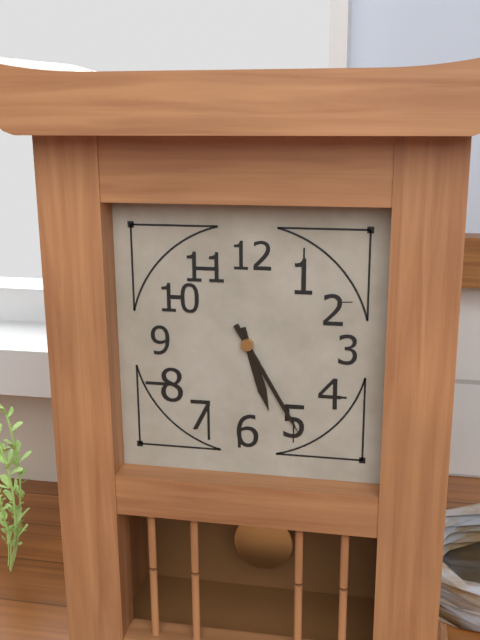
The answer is 5h25
